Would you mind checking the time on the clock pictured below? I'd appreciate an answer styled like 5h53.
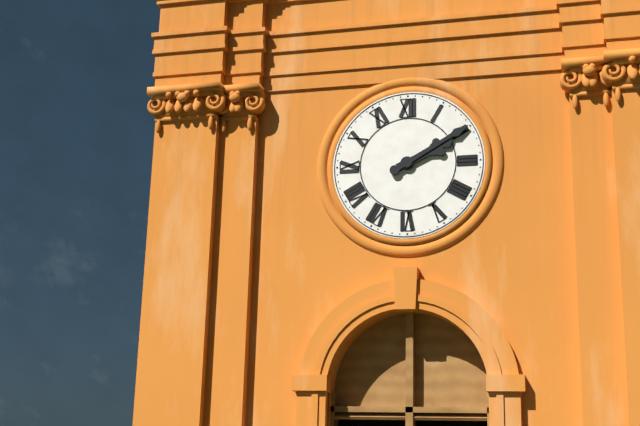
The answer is 2h10
